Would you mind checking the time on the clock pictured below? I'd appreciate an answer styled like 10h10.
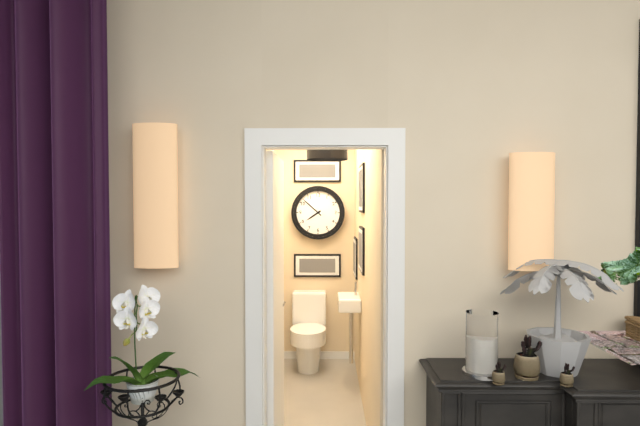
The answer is 7h52
